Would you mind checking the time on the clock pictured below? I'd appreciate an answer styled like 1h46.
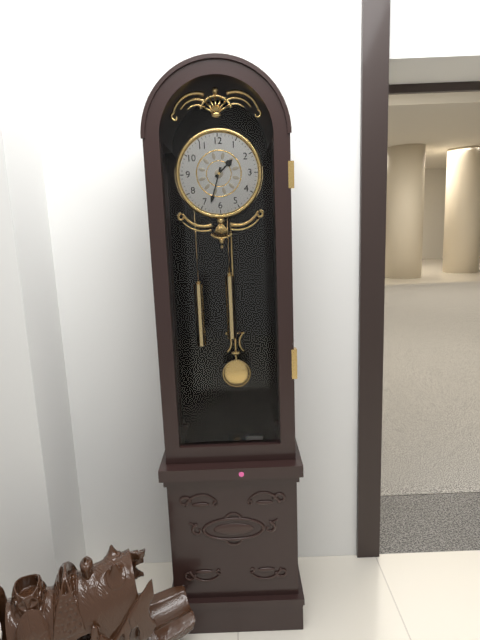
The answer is 1h33
